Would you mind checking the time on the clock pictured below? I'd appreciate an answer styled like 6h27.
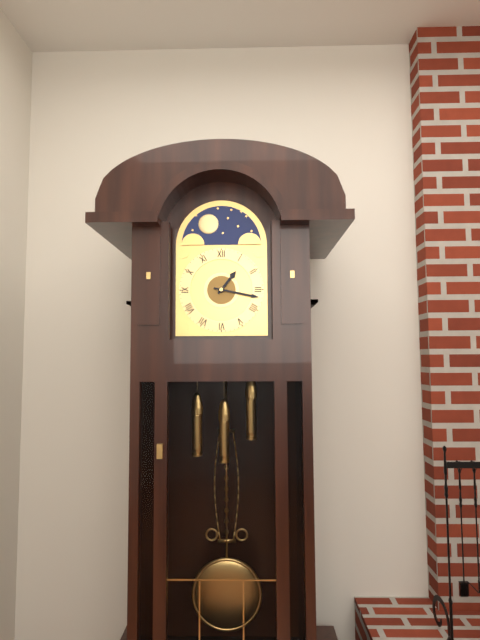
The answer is 1h17
